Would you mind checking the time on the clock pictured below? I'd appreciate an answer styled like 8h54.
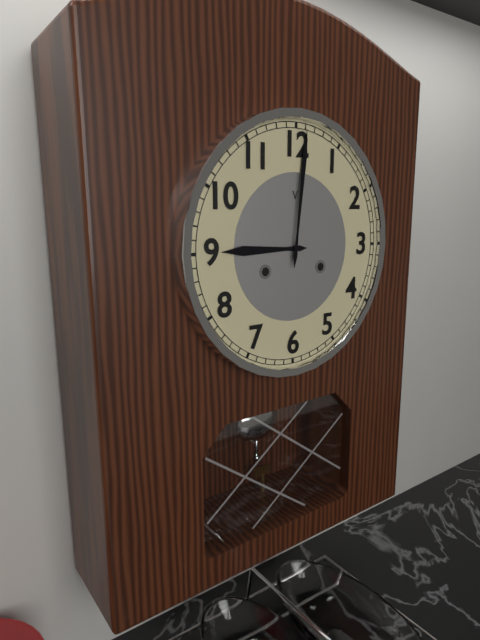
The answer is 9h01
